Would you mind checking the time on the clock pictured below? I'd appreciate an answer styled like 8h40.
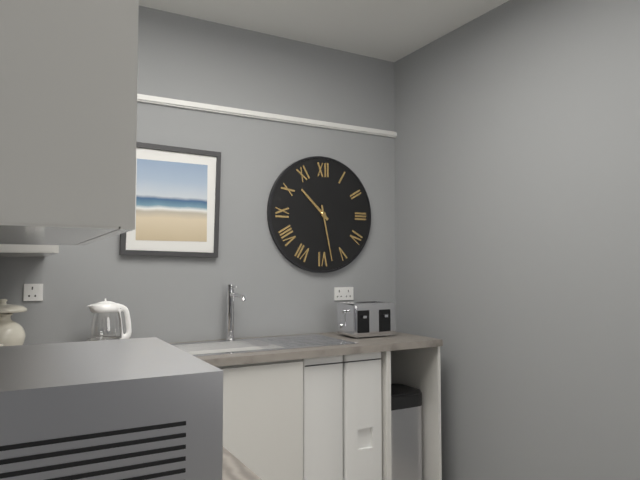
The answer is 10h28
